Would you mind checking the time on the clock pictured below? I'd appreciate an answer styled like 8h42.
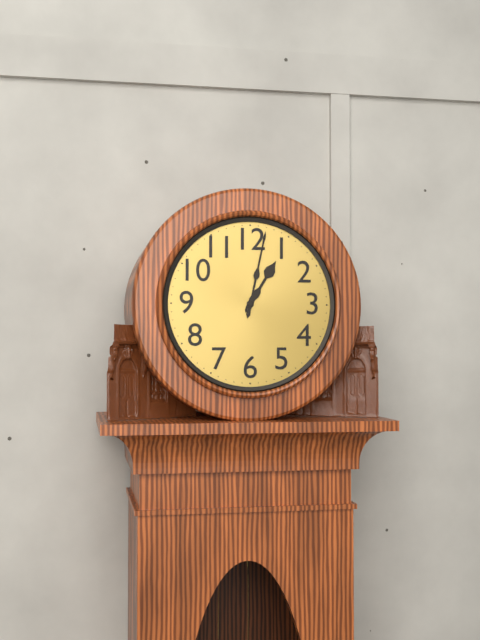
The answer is 1h02
